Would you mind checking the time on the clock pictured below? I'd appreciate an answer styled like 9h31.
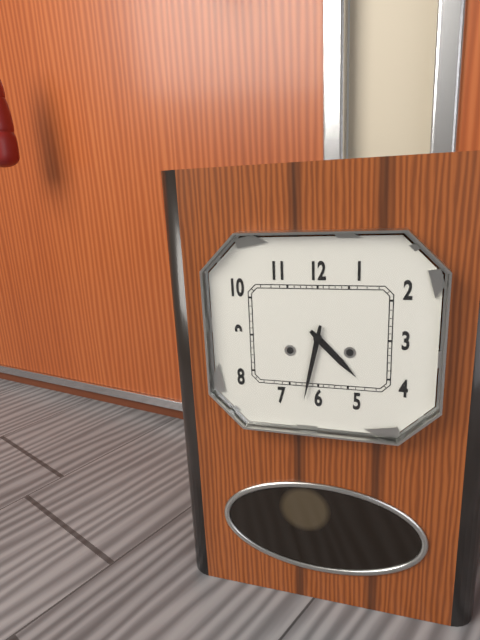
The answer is 4h32
